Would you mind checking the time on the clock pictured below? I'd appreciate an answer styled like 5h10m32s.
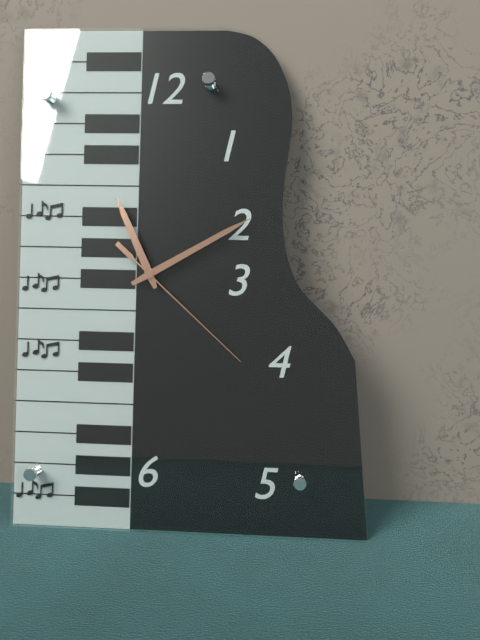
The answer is 11h10m22s
